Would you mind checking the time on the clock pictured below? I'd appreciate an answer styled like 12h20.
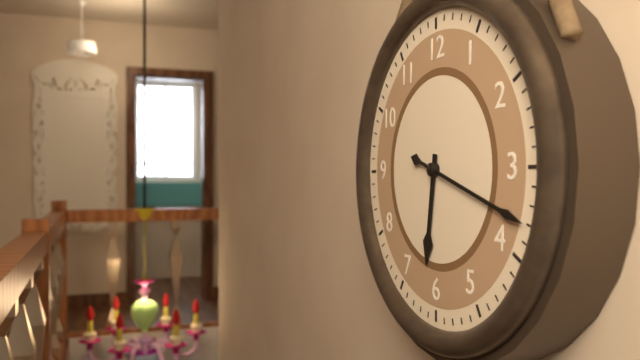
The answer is 6h18
